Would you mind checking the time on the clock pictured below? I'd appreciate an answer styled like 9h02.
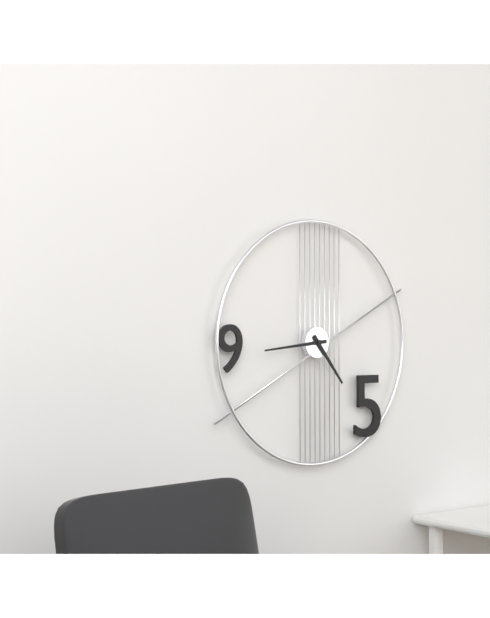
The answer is 4h44
